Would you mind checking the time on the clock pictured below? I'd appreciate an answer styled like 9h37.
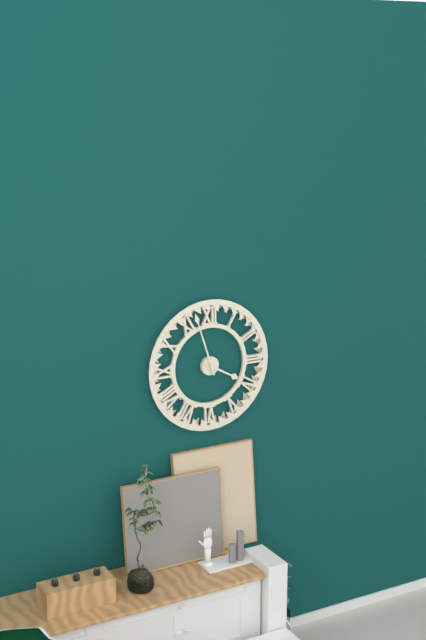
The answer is 3h57
